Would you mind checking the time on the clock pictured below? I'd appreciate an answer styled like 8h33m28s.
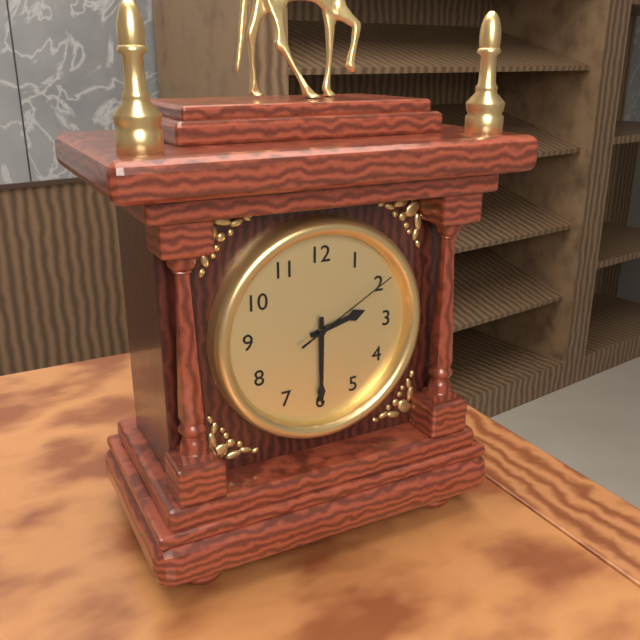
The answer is 2h30m10s
